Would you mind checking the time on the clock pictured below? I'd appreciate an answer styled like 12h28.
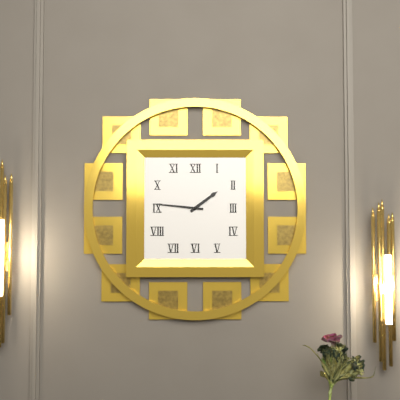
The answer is 1h46
